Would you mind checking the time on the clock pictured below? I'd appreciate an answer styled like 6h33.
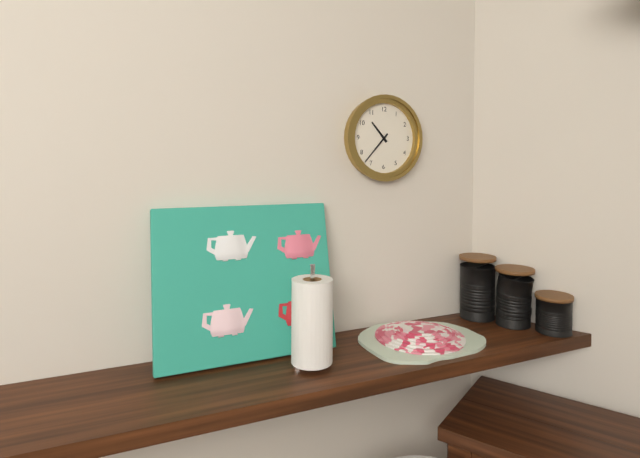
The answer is 10h37
